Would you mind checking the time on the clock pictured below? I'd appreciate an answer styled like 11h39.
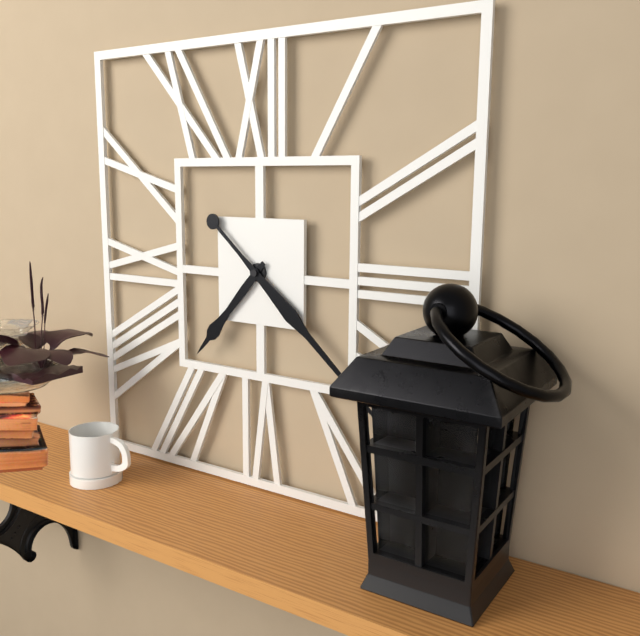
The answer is 7h22
